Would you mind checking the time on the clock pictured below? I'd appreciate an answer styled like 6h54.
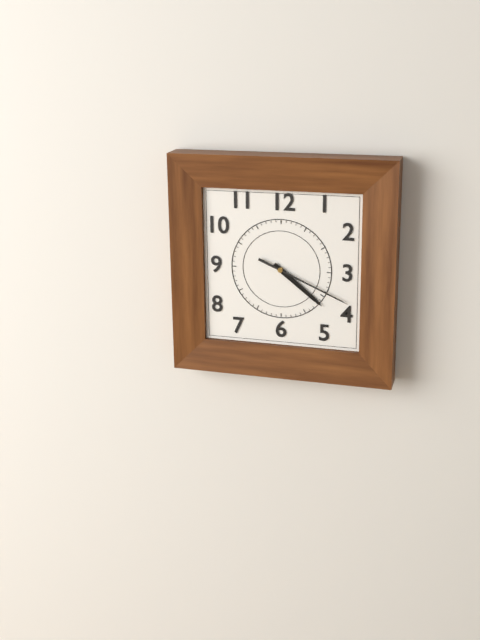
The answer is 4h19
